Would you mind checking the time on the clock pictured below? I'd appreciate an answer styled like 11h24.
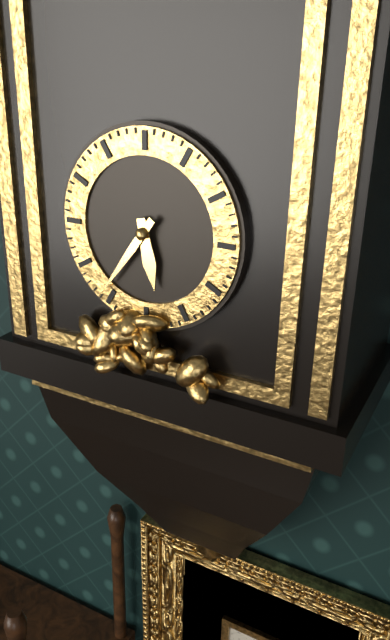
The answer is 5h36
